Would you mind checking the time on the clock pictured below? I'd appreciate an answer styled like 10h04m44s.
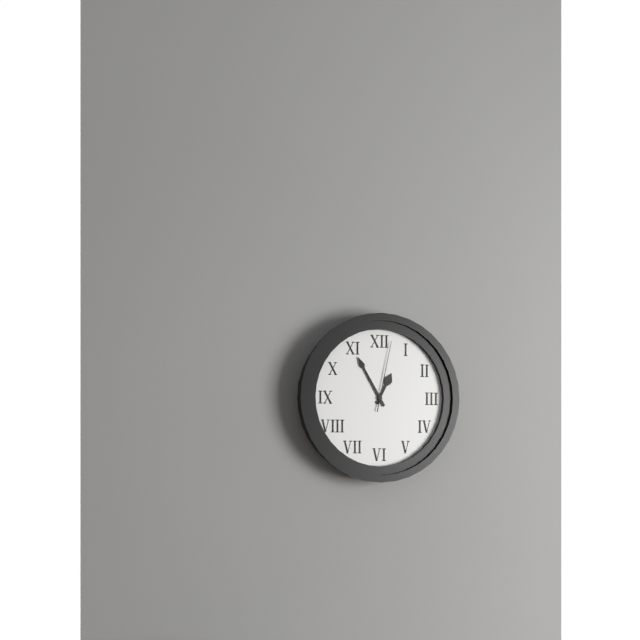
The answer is 12h55m02s
